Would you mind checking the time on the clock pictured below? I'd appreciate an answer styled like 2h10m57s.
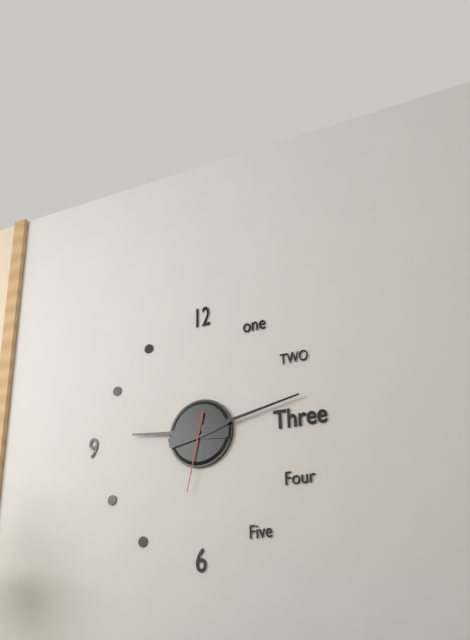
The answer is 9h13m32s
